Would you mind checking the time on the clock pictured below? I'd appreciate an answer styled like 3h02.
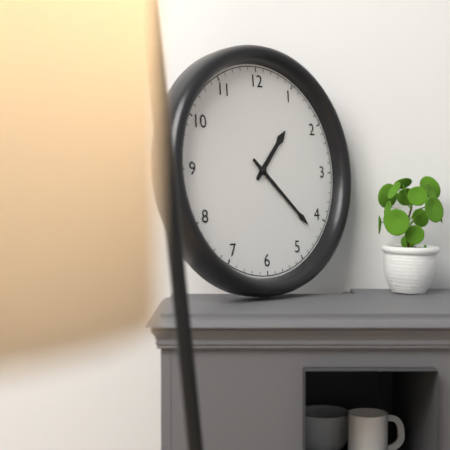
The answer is 1h22
